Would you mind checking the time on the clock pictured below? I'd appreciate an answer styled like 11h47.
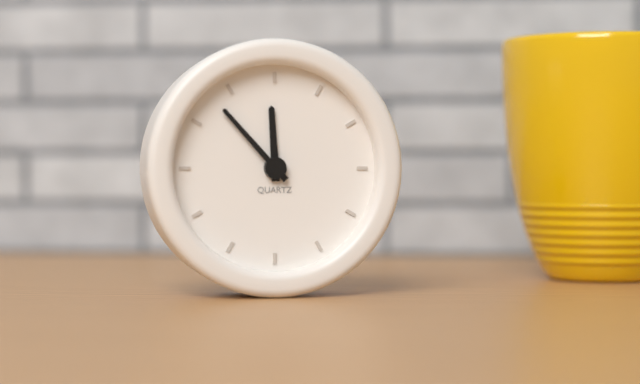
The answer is 11h53
